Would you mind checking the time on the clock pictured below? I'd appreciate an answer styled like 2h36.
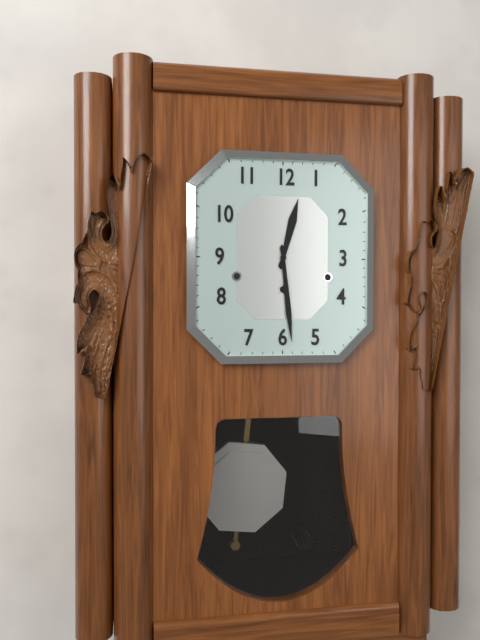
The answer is 12h29
